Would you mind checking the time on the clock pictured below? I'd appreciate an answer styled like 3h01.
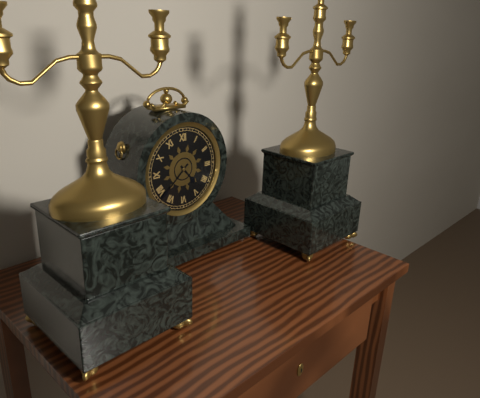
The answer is 4h38
